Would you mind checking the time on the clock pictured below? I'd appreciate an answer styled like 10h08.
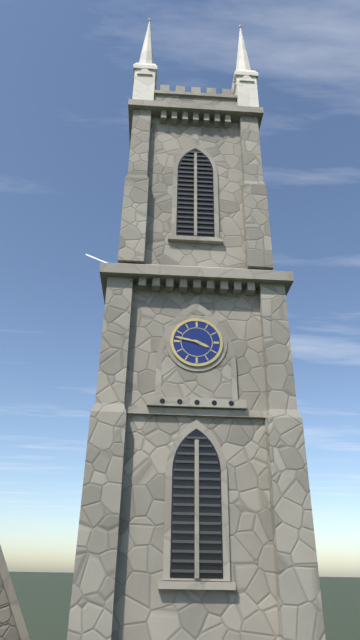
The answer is 3h47
